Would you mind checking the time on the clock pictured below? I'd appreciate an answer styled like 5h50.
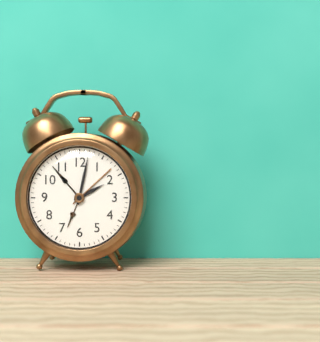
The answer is 2h02
